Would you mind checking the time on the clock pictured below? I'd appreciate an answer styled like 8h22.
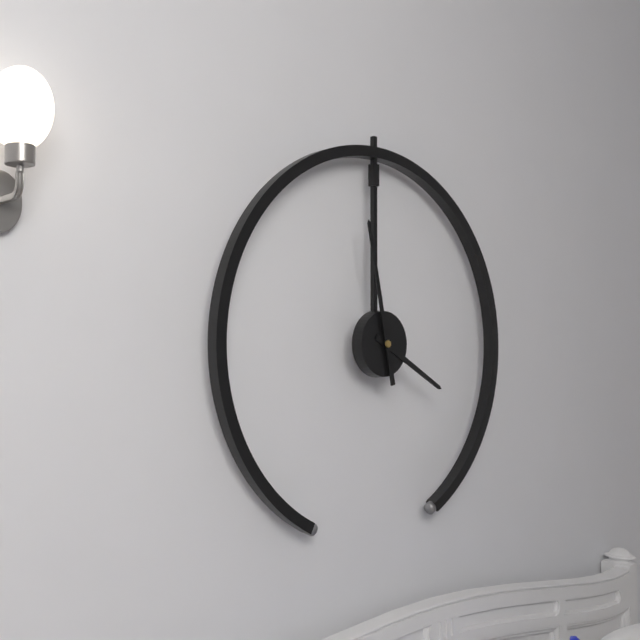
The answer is 3h58
